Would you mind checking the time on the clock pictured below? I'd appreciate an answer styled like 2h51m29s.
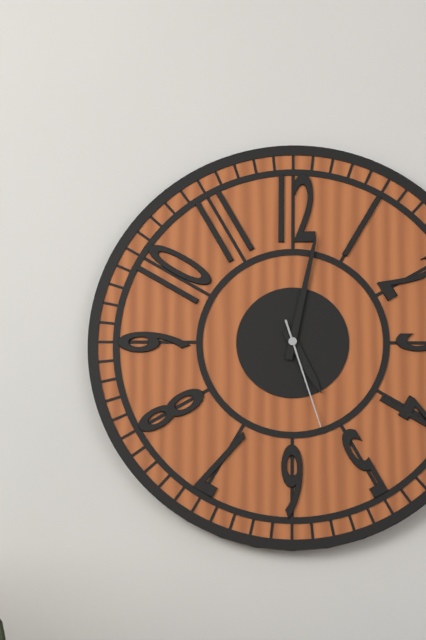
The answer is 5h02m27s
